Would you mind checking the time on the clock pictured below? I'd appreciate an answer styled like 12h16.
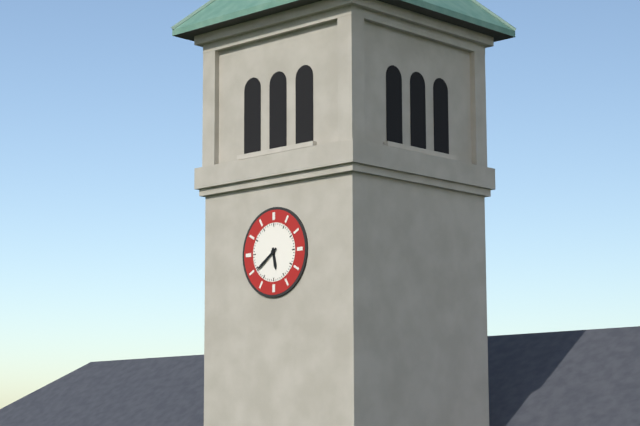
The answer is 5h39
